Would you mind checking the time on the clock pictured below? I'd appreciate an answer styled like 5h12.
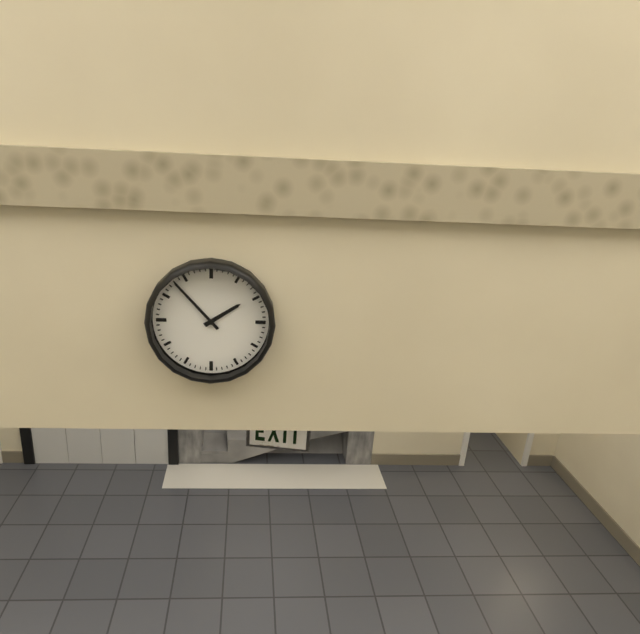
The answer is 1h53
